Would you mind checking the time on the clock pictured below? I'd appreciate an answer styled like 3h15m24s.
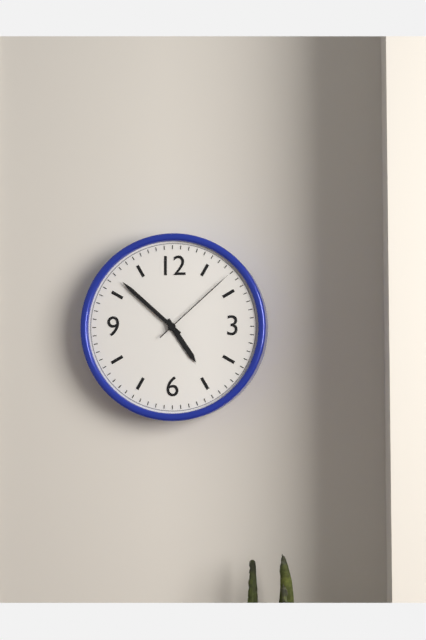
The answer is 4h52m08s
